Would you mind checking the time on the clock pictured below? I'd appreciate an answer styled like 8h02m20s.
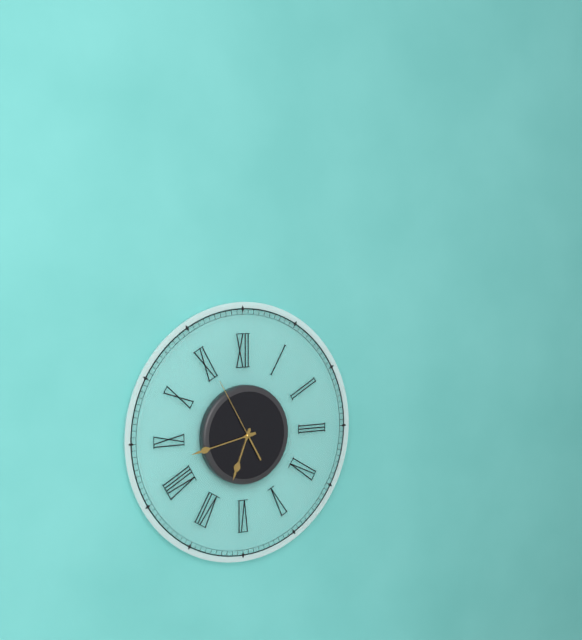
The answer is 6h43m55s
